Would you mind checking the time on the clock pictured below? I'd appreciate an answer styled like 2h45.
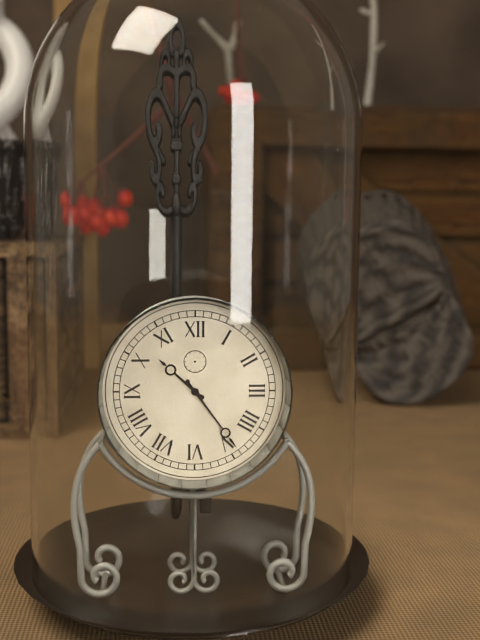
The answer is 10h24
